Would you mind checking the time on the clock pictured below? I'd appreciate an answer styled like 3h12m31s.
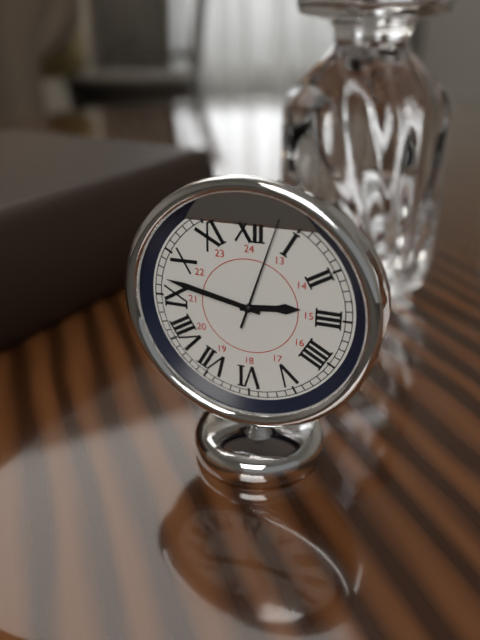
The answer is 2h47m03s
